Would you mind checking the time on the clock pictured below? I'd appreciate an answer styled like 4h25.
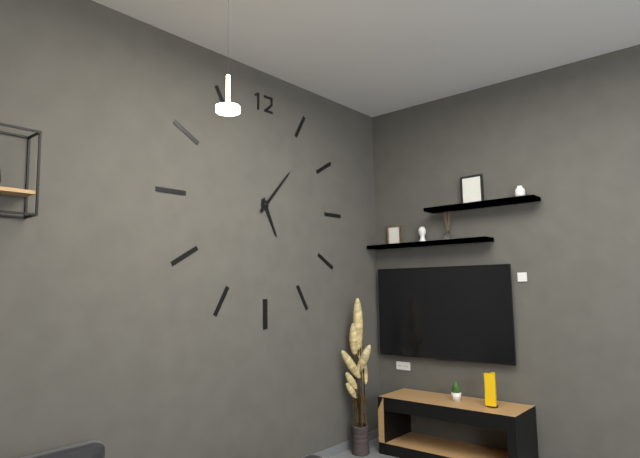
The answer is 5h07
